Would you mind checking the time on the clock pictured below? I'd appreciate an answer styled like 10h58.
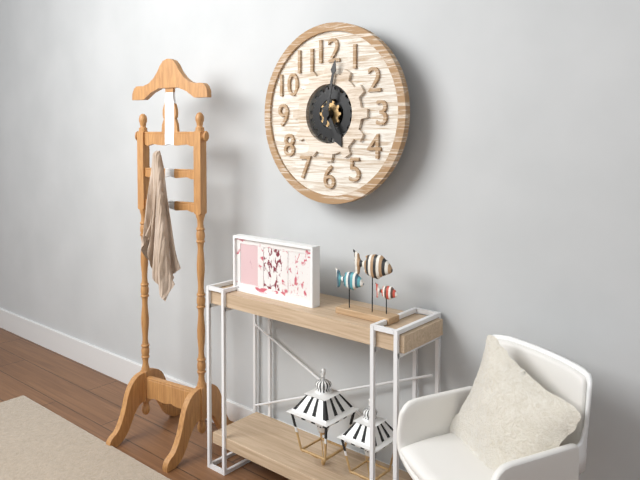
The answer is 5h02
